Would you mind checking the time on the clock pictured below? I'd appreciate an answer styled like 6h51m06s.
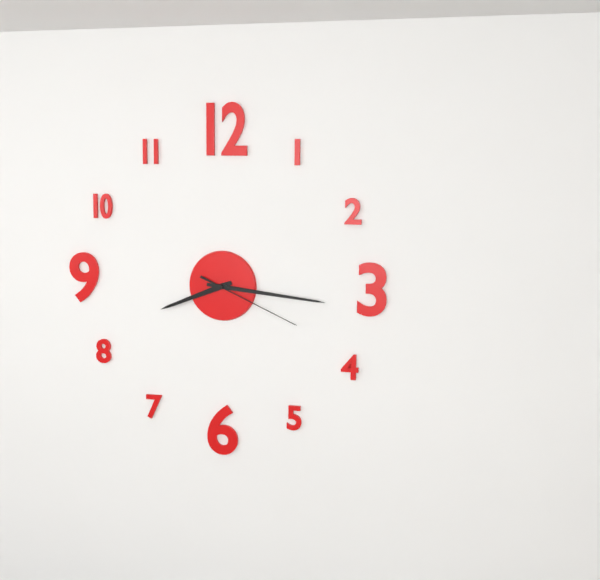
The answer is 8h16m19s
